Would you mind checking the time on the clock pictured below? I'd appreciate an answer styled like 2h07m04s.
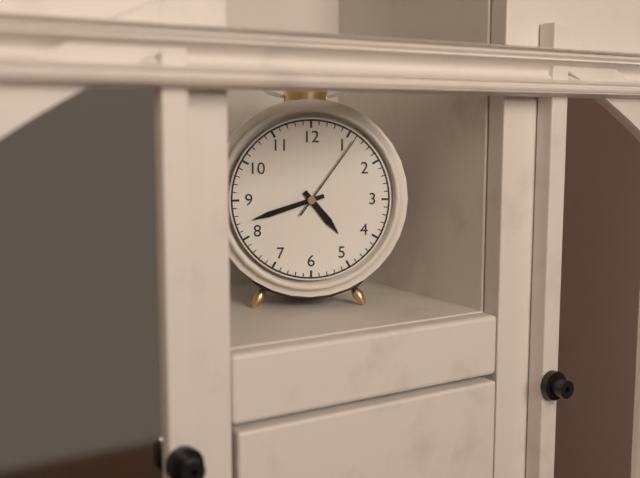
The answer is 4h42m06s
